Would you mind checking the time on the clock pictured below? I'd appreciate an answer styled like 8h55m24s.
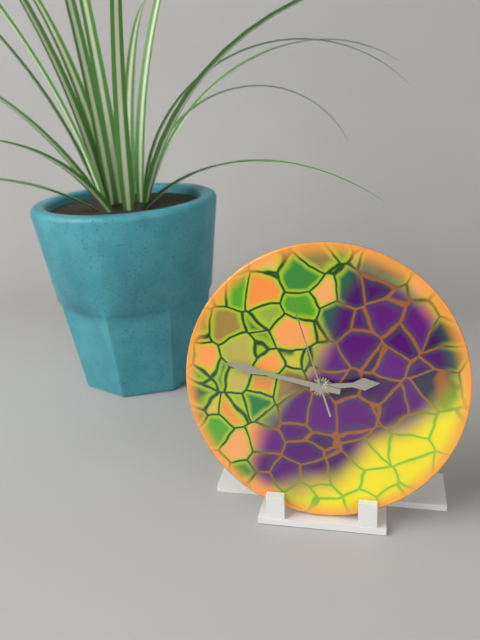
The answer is 2h47m57s
